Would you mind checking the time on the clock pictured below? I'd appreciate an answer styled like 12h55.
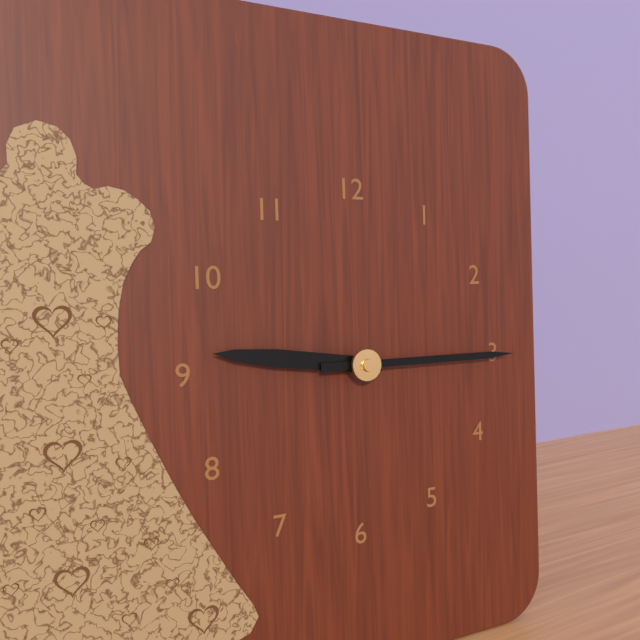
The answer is 9h15
